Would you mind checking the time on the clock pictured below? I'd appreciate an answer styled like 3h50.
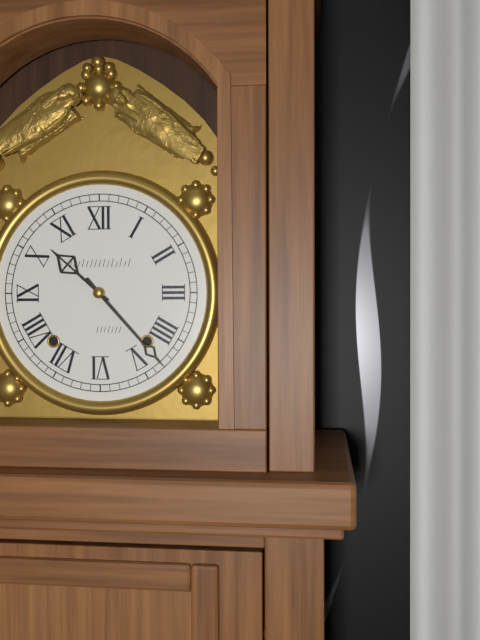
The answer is 10h23
